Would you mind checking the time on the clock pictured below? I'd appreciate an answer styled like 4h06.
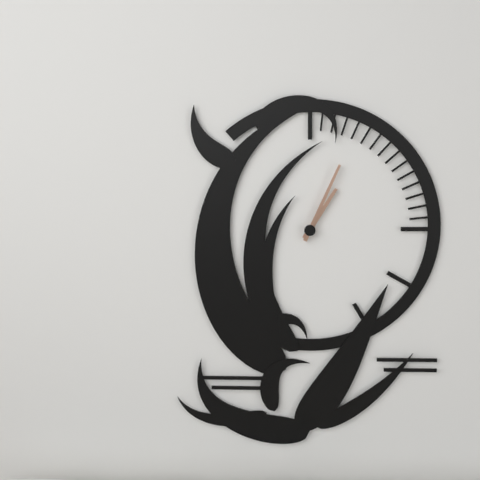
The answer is 1h04
